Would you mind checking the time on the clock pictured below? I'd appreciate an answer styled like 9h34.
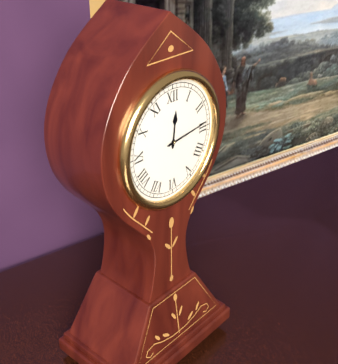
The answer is 12h14
